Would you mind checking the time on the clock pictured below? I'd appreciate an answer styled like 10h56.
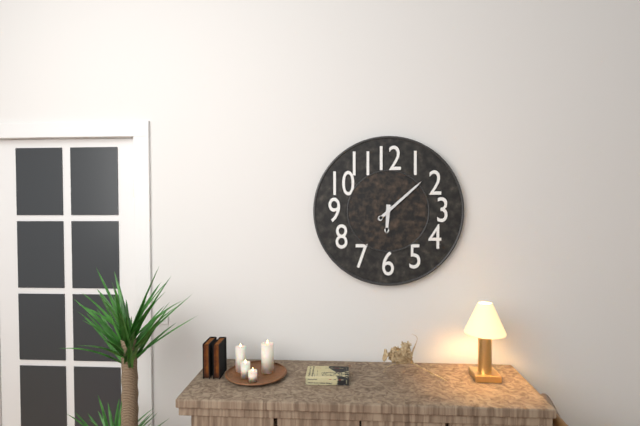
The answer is 6h08
